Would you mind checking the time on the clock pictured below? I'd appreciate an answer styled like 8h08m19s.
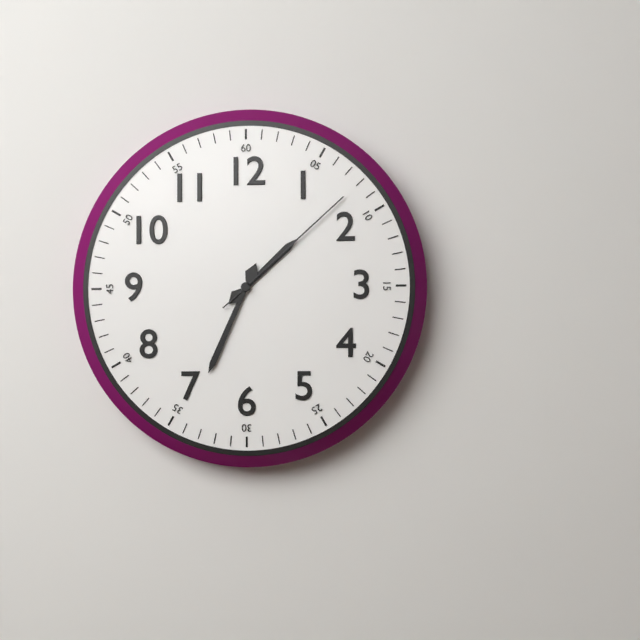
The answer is 1h34m08s
